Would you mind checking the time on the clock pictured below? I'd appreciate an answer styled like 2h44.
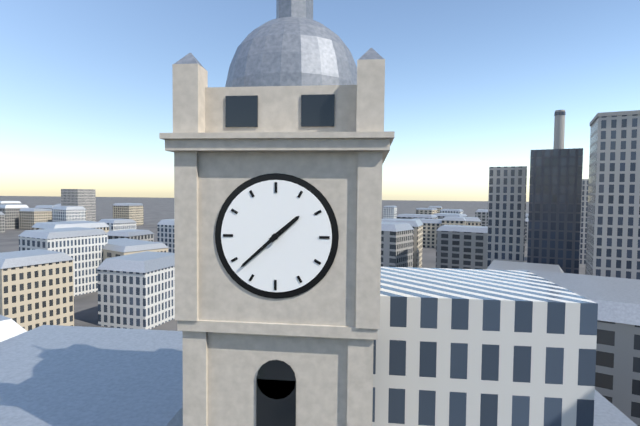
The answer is 1h38
